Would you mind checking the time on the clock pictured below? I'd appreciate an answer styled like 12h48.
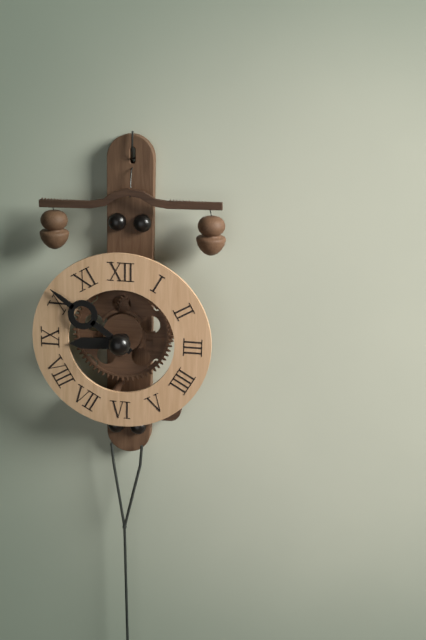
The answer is 8h51
